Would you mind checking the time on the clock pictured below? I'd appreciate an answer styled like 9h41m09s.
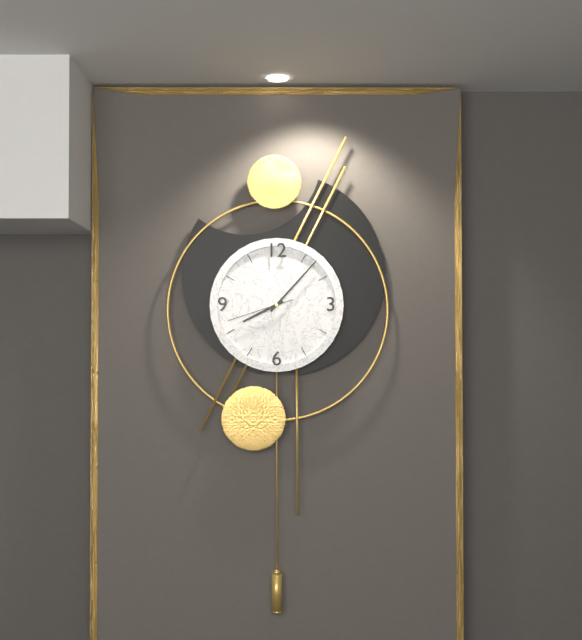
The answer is 8h07m42s
